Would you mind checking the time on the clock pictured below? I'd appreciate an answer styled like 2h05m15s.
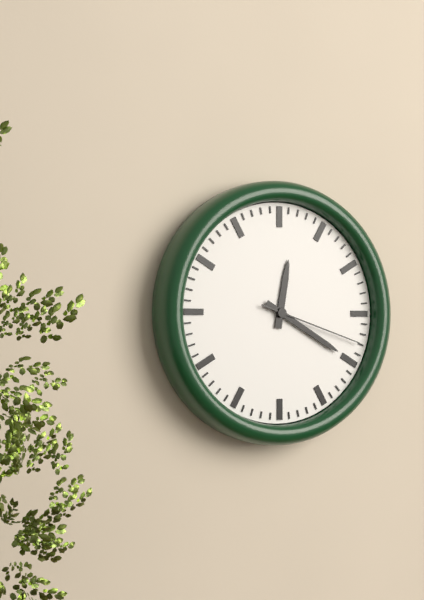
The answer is 12h20m18s
